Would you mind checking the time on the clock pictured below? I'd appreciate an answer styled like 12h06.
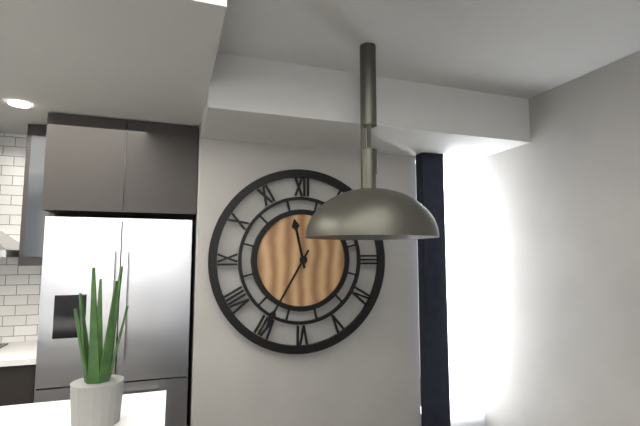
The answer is 11h35
